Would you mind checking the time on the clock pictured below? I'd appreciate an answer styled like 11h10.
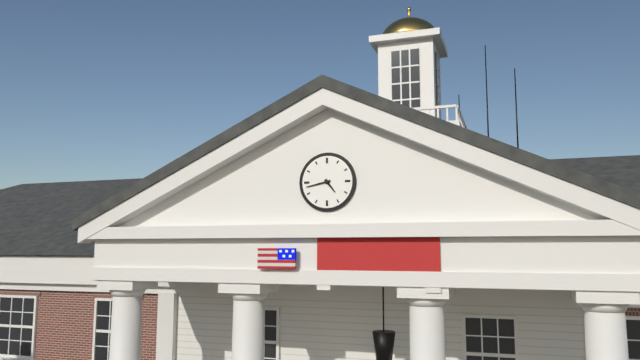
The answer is 4h43
